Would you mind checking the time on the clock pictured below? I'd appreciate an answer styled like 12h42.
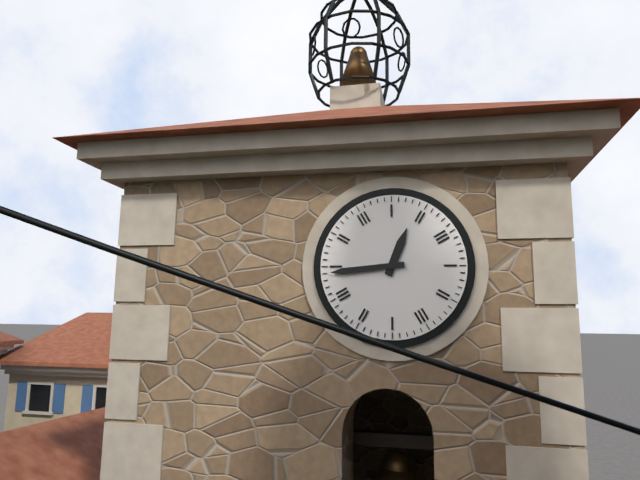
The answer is 12h44
